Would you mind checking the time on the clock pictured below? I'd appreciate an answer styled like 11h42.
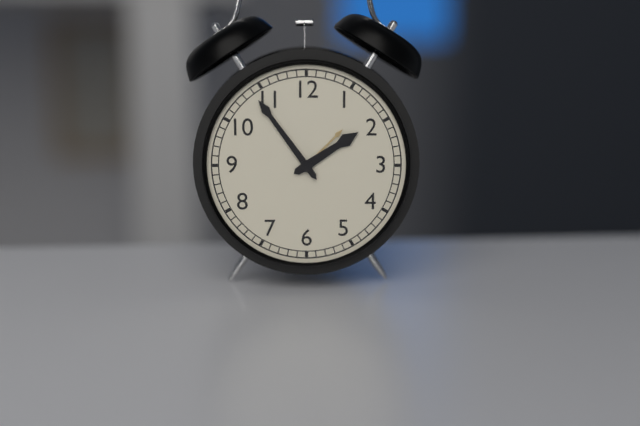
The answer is 1h54
